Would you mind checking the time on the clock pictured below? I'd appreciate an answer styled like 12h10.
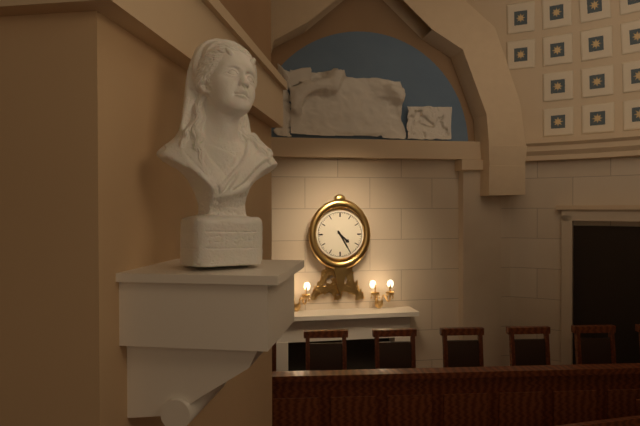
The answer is 4h25
